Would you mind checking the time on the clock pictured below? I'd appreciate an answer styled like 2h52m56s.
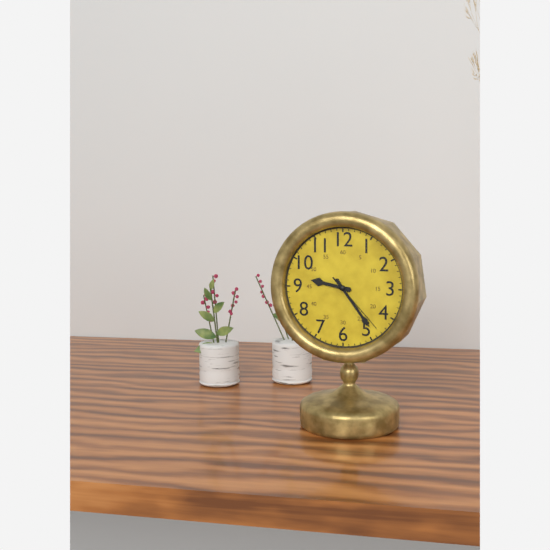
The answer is 9h24m23s
